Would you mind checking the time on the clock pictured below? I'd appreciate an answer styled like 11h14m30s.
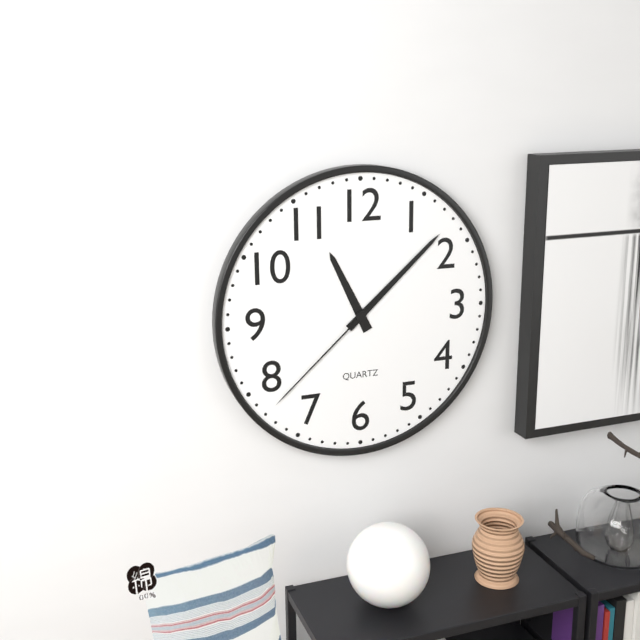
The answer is 11h08m38s
